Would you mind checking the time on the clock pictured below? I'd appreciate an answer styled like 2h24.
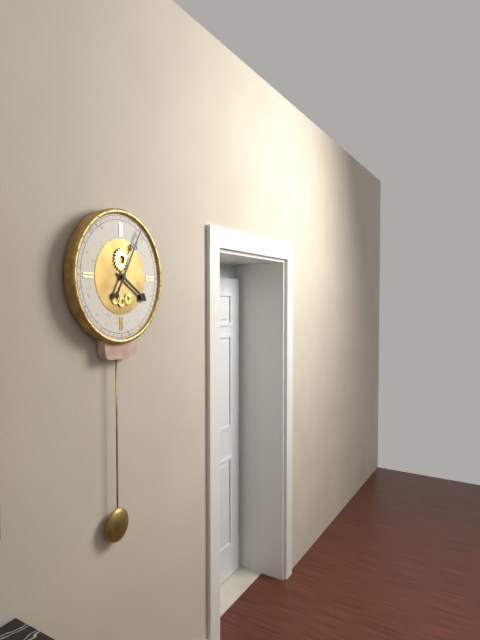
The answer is 4h05
